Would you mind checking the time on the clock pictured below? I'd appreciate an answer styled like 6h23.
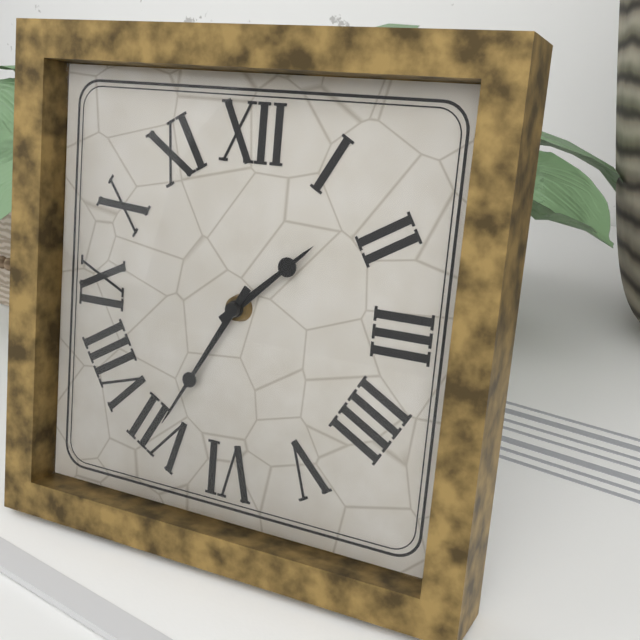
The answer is 1h35
